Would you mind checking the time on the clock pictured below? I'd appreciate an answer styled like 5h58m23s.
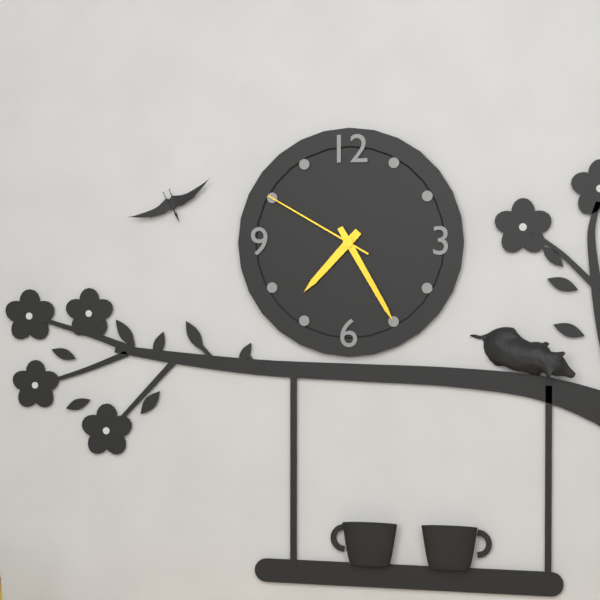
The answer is 7h25m50s
